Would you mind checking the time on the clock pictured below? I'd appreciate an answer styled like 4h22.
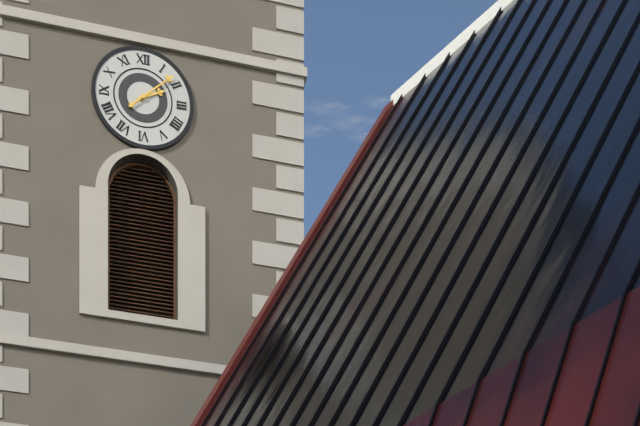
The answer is 2h08
